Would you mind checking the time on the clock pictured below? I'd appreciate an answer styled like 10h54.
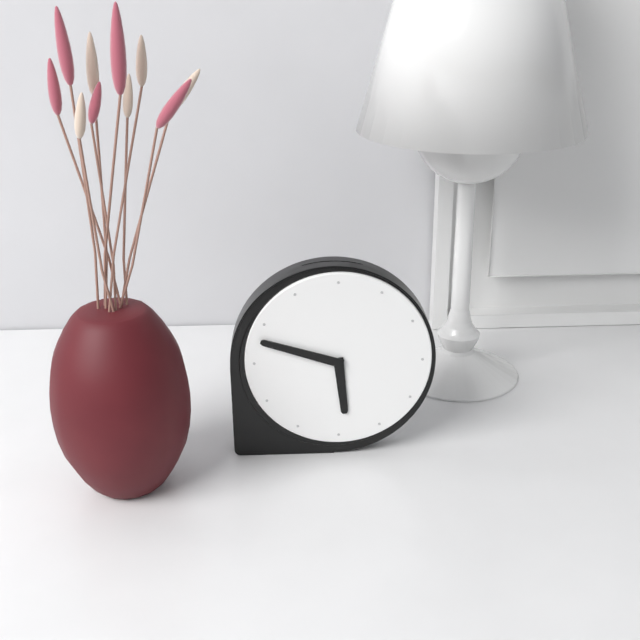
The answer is 5h48
